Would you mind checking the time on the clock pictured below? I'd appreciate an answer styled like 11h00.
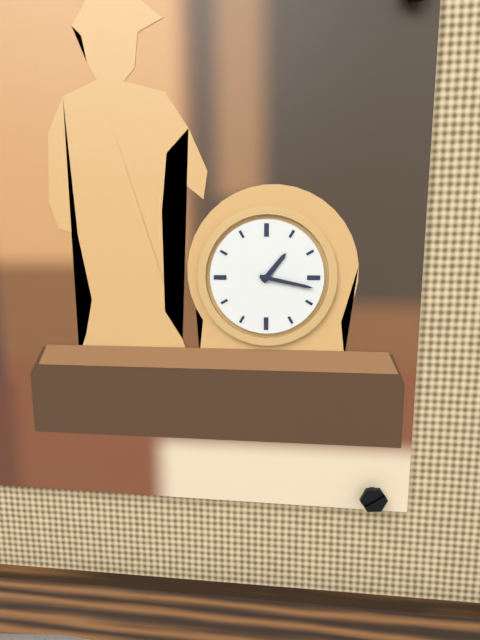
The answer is 1h17
